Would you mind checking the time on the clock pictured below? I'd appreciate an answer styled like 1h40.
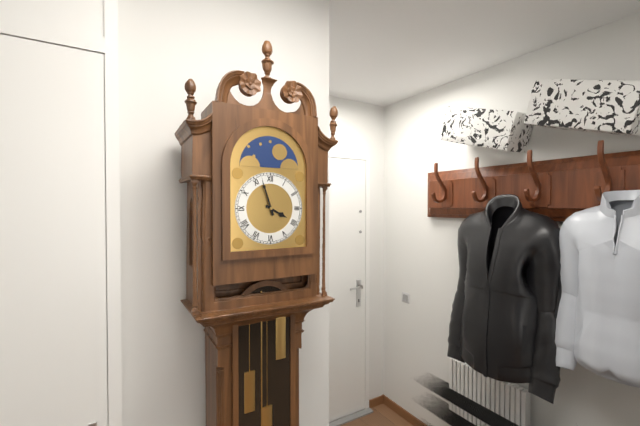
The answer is 3h57
